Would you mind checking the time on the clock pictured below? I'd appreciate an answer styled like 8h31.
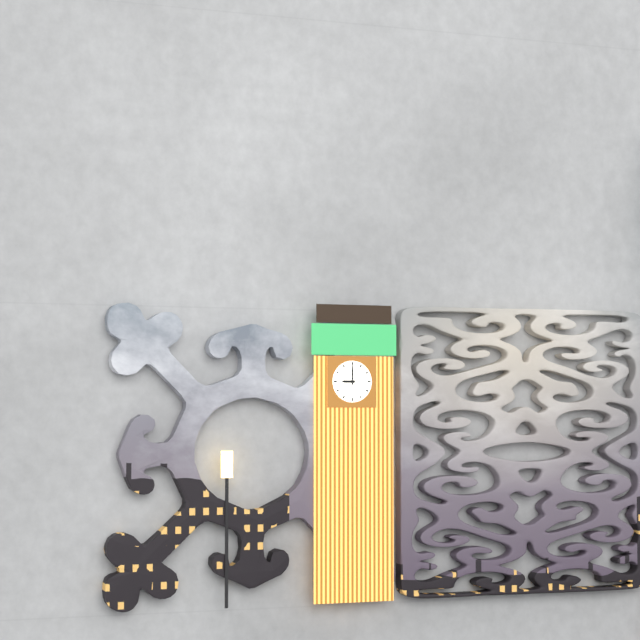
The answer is 9h00
